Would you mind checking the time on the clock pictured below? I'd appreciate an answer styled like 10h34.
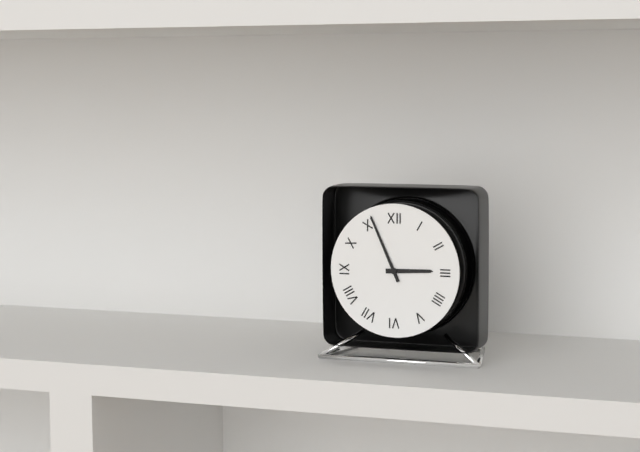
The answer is 2h56
